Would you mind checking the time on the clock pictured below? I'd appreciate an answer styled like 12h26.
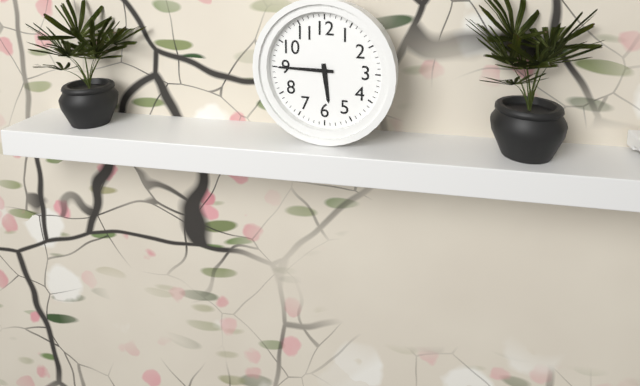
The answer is 5h45
